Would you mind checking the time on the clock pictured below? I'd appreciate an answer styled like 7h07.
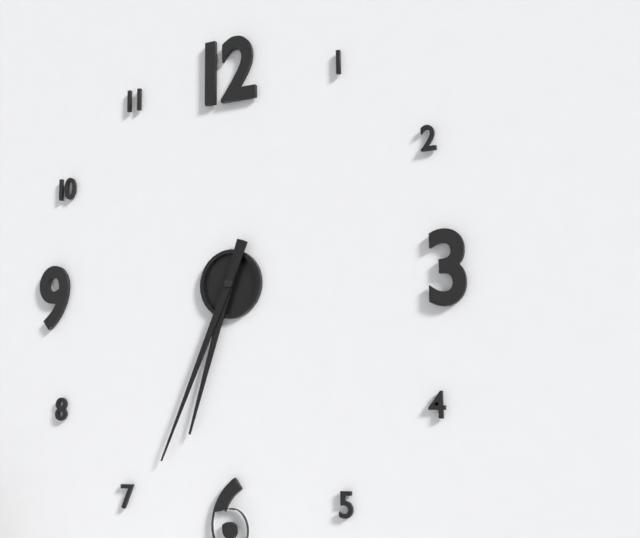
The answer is 6h34
